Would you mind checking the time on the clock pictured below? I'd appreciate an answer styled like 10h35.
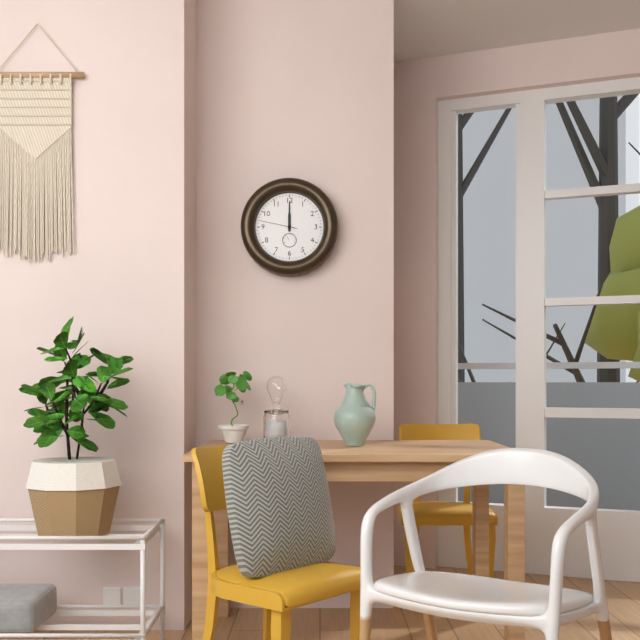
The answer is 12h00
